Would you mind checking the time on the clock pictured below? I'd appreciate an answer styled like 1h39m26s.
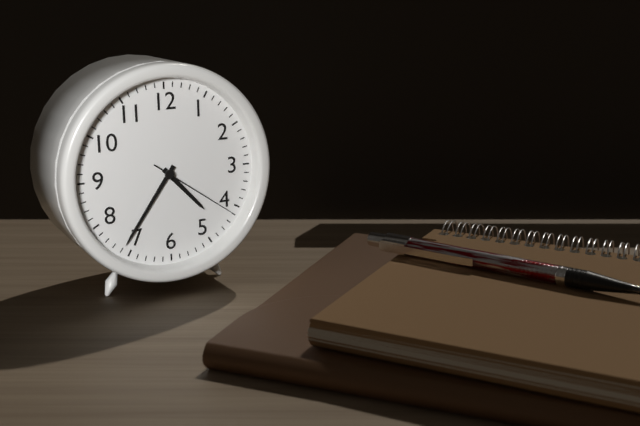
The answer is 4h36m21s
